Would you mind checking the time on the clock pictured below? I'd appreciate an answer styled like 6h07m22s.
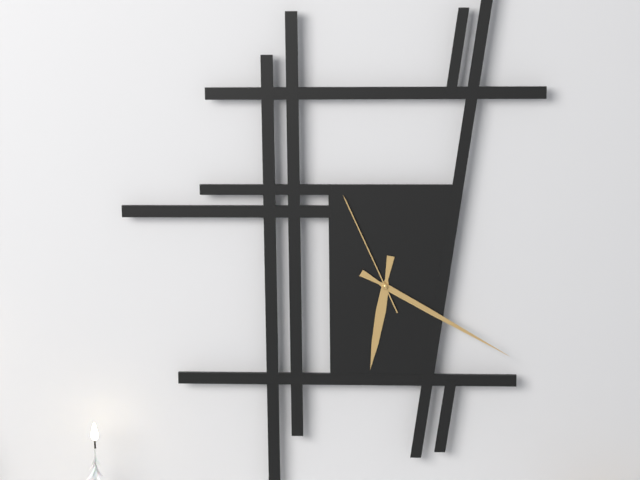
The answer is 6h20m56s
